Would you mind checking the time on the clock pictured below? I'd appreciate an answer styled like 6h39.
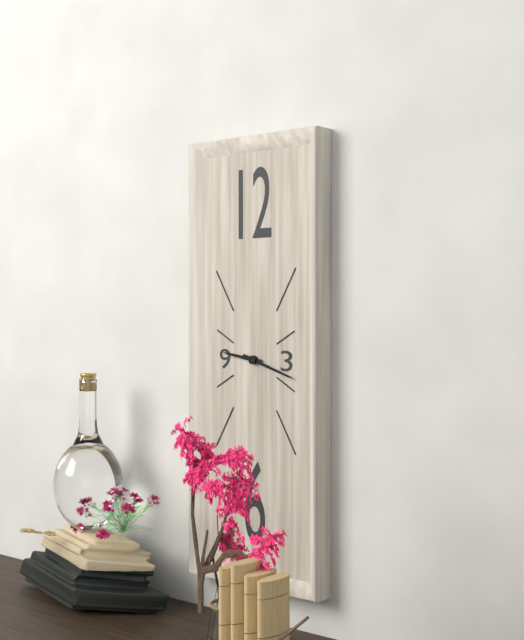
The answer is 9h18
